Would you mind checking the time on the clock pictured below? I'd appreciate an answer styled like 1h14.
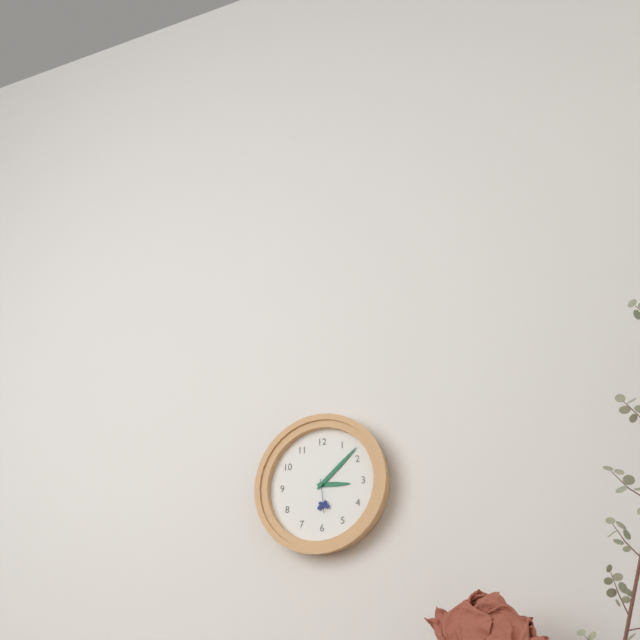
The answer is 3h08
